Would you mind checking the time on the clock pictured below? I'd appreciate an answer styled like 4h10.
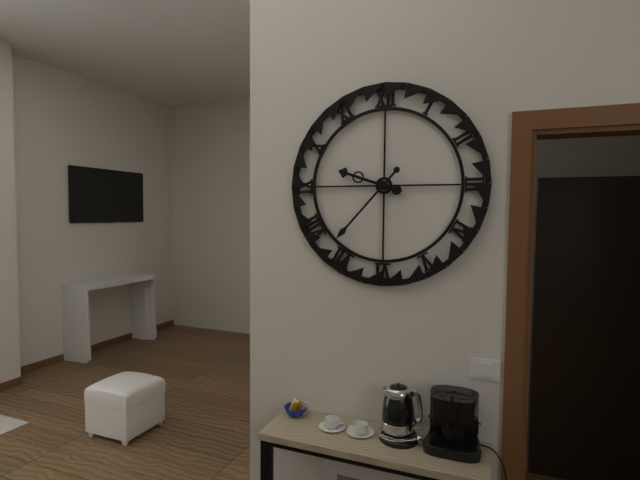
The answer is 9h37
